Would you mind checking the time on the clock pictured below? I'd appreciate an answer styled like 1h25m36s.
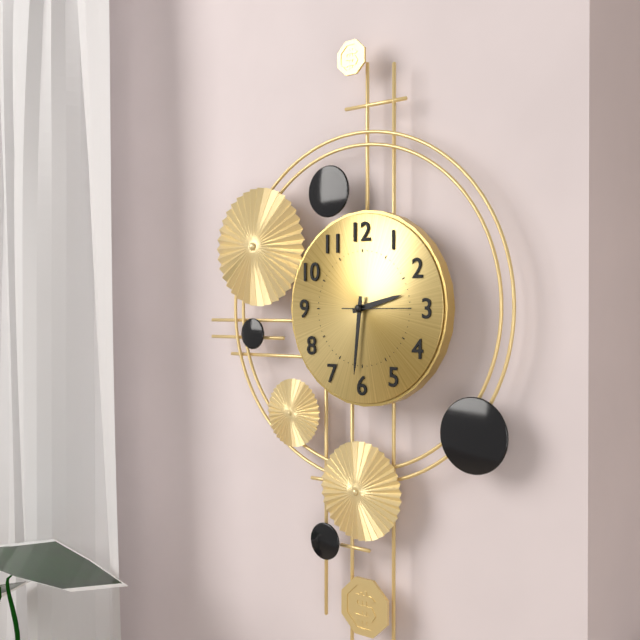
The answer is 2h31m15s
